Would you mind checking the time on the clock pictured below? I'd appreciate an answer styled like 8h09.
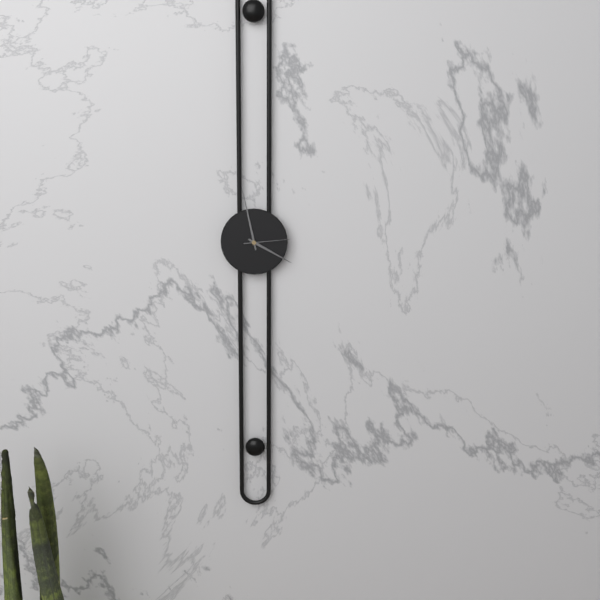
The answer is 3h58
